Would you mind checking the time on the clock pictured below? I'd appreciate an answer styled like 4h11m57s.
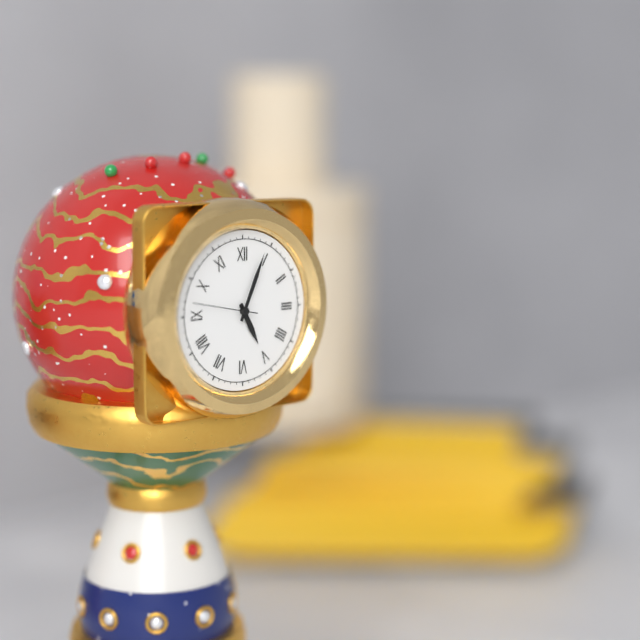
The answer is 5h04m47s
